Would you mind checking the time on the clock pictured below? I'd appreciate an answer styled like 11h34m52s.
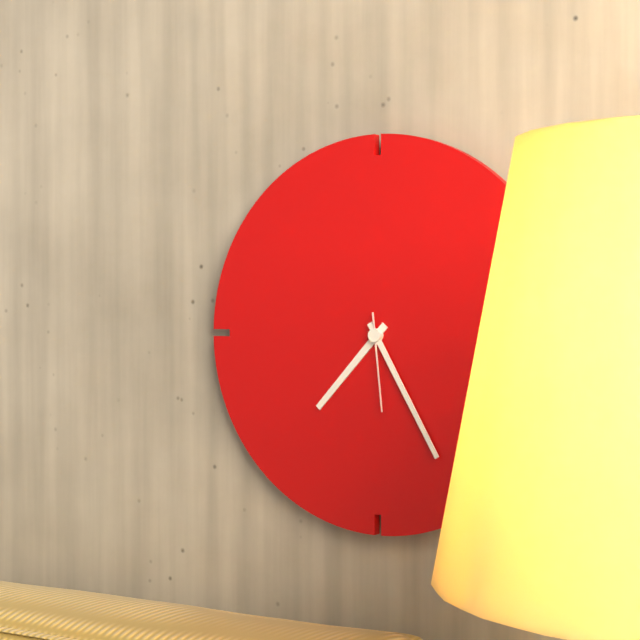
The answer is 7h25m29s
